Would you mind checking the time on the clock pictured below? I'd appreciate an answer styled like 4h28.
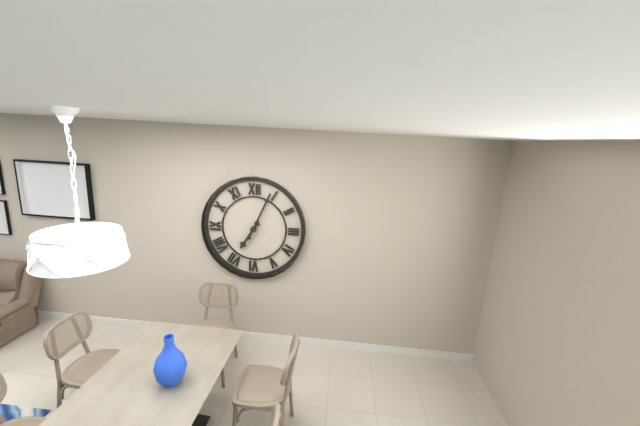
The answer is 7h04
